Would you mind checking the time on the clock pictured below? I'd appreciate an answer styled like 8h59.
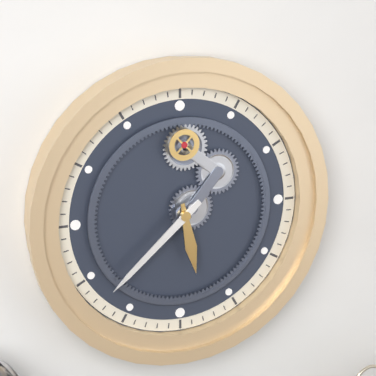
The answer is 5h38
